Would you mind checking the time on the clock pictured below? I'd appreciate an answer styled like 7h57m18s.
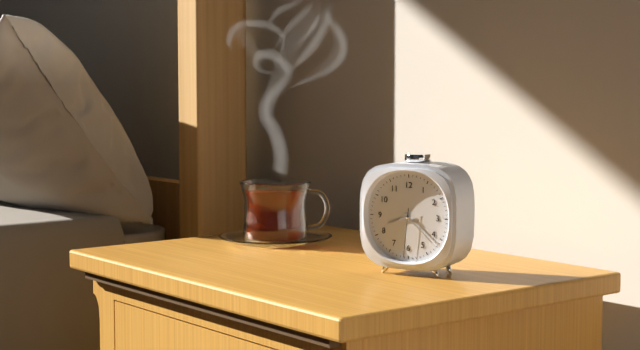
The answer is 8h22m31s
